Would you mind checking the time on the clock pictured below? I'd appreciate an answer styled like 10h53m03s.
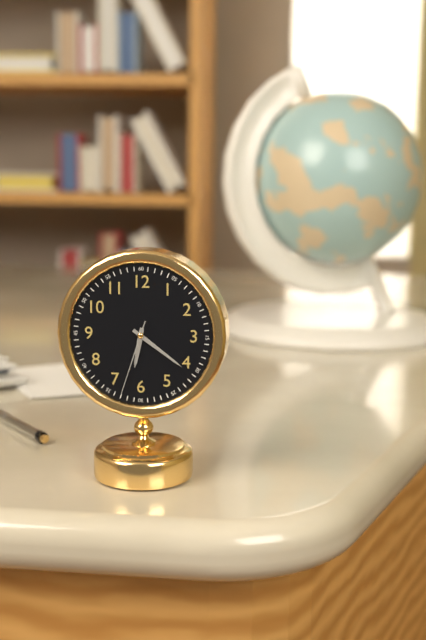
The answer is 6h21m33s
